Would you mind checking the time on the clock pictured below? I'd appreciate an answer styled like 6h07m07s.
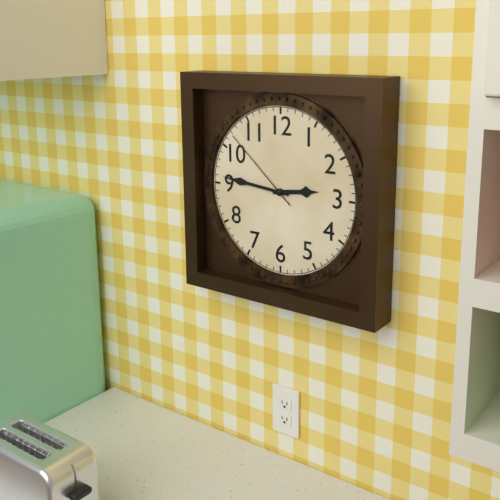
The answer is 2h46m52s
